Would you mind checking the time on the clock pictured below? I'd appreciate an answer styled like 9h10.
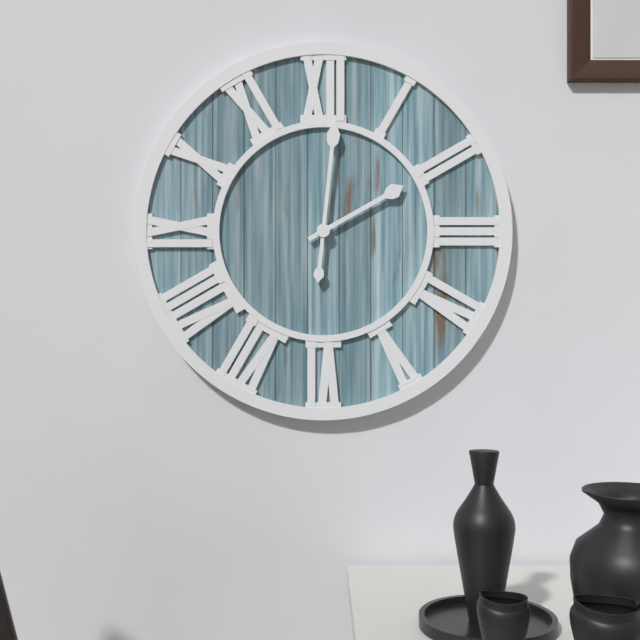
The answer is 2h01
